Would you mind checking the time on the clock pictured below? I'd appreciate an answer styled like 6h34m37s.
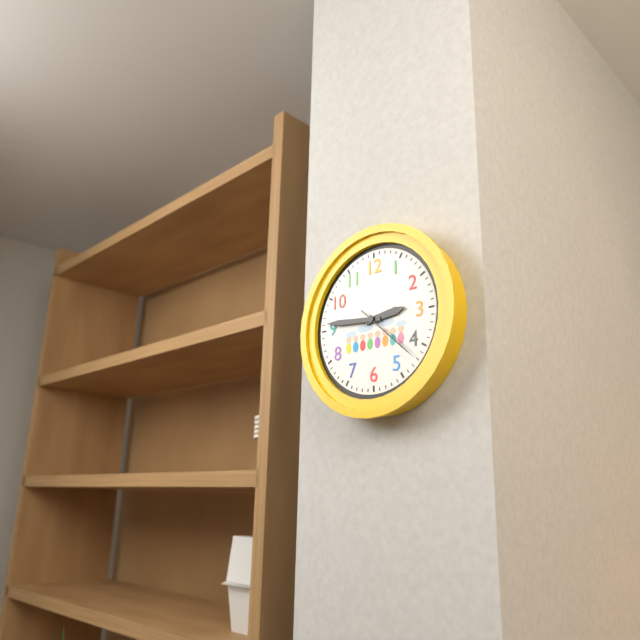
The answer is 2h46m22s
